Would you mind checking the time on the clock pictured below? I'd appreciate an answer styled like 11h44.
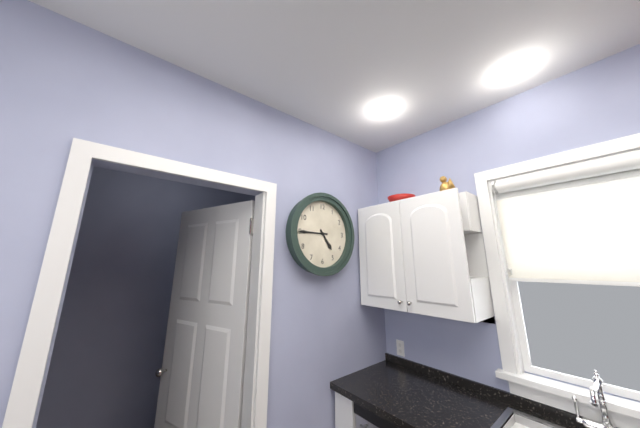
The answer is 4h45
